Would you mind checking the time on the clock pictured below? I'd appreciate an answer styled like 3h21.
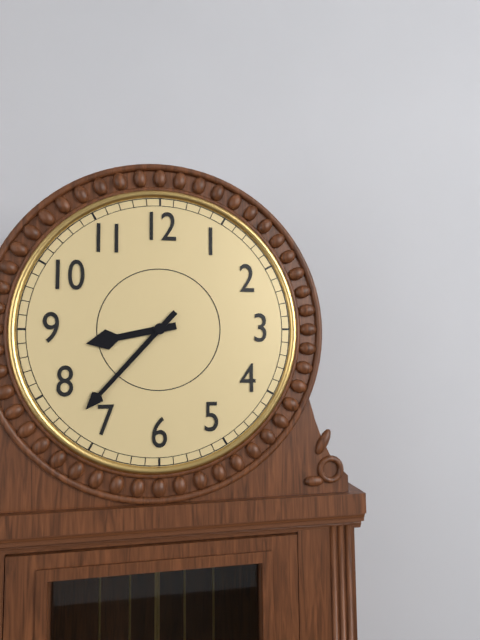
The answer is 8h37
